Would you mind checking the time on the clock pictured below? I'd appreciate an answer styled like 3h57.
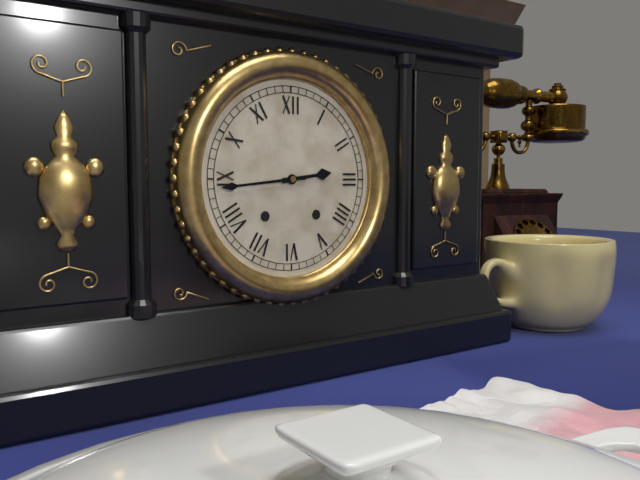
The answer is 2h44
